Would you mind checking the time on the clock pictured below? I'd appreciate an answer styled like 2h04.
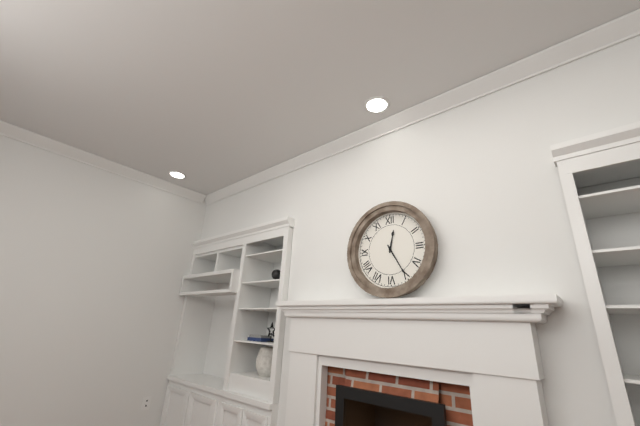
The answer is 12h25
